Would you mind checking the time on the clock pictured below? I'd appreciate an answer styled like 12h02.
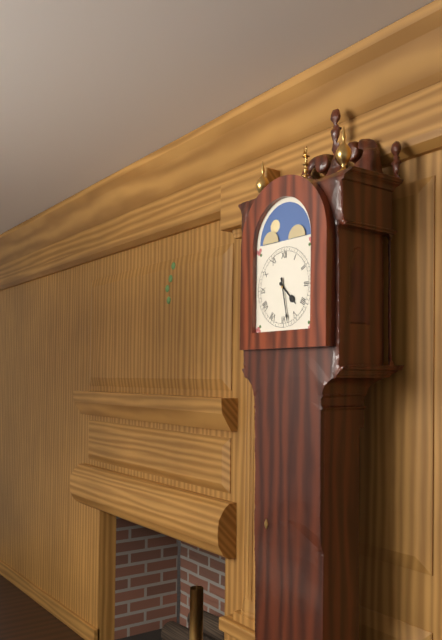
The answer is 4h28
